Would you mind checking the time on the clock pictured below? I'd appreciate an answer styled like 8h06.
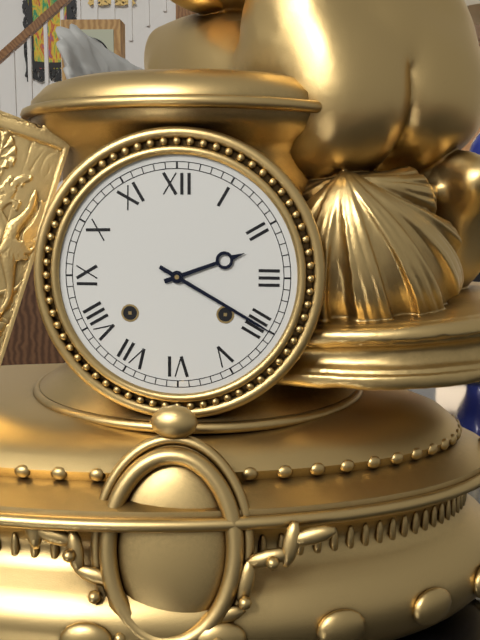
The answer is 2h20
